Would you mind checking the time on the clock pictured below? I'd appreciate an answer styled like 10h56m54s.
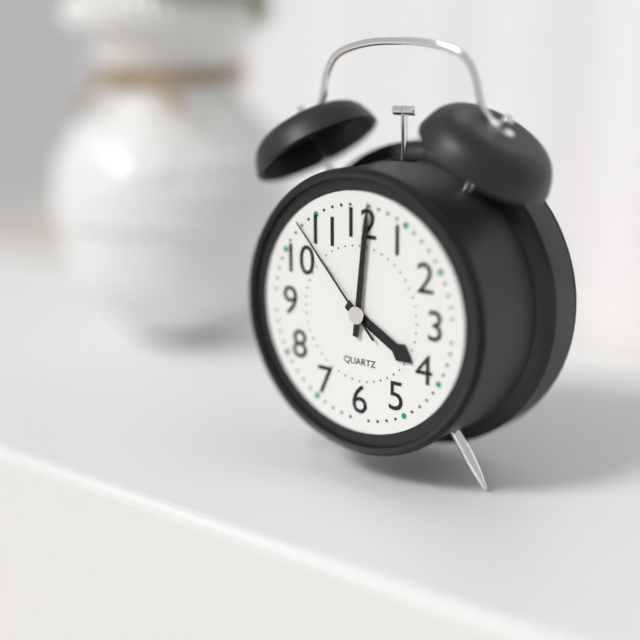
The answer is 4h01m53s
